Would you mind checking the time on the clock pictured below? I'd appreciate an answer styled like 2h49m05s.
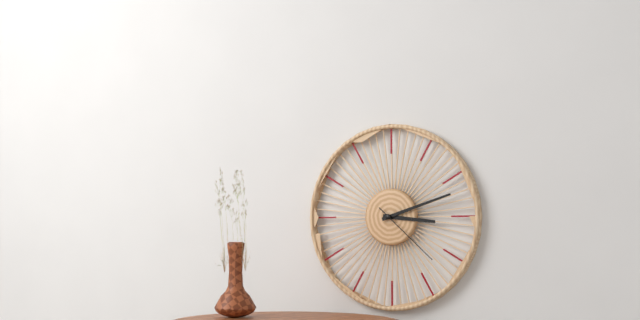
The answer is 3h12m22s
